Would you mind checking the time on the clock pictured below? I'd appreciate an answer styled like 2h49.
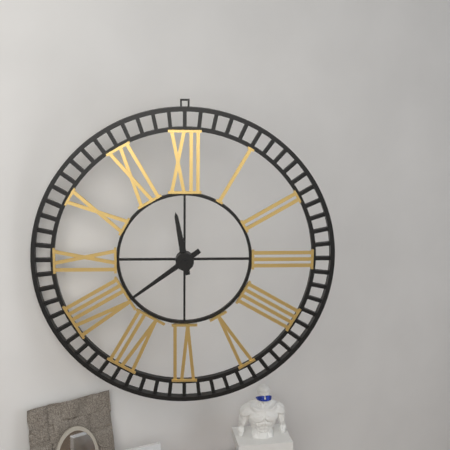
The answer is 11h39
